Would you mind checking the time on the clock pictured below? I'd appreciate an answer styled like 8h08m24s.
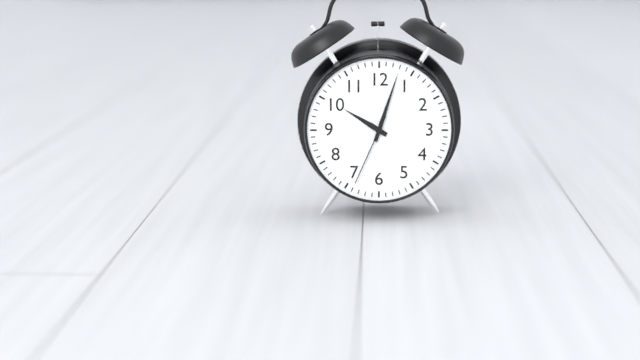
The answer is 10h03m34s
